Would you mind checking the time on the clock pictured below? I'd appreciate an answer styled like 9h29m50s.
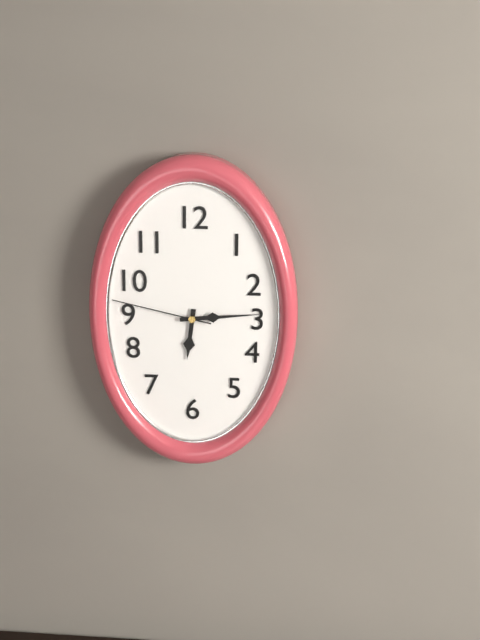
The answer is 6h14m47s
